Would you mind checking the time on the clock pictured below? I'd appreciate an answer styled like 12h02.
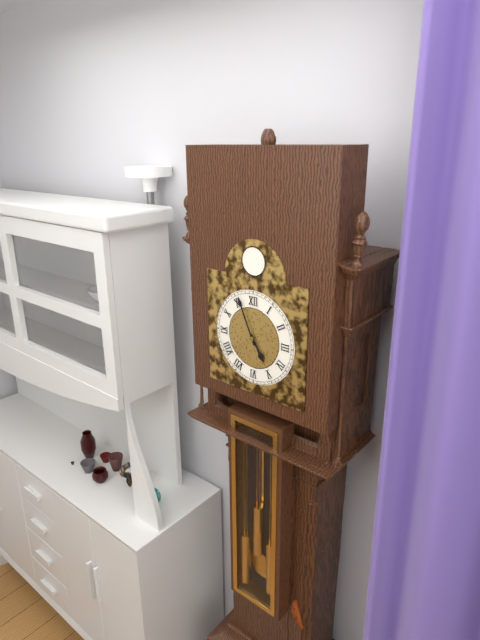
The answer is 4h56
